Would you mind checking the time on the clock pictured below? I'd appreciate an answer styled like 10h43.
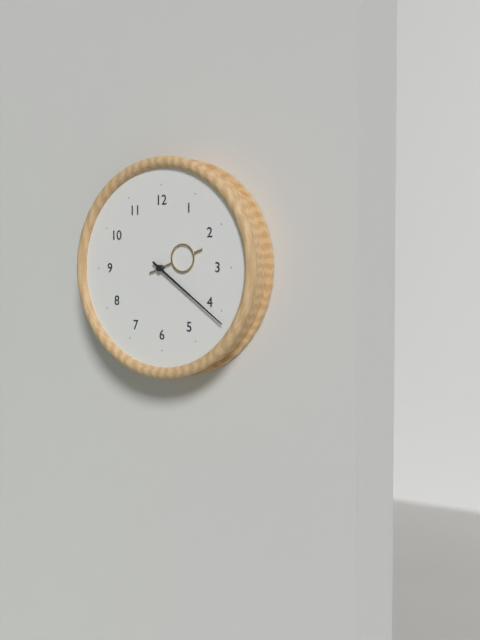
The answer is 2h21
